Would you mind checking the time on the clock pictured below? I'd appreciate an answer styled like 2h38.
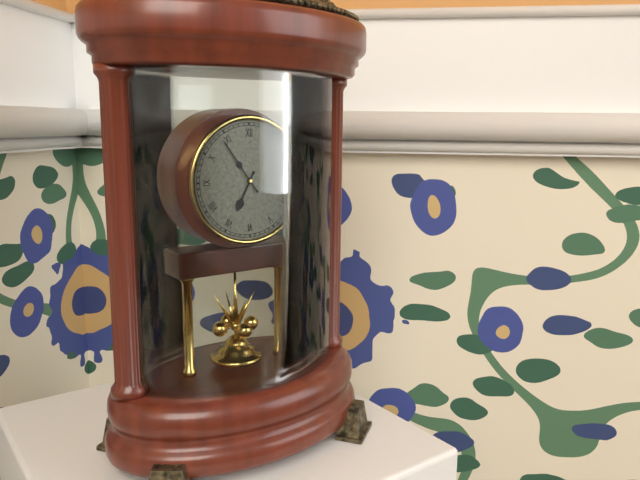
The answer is 6h54
